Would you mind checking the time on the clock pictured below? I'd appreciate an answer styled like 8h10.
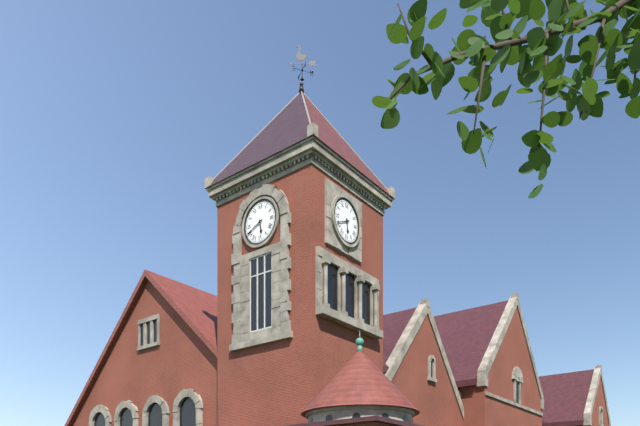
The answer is 5h41
